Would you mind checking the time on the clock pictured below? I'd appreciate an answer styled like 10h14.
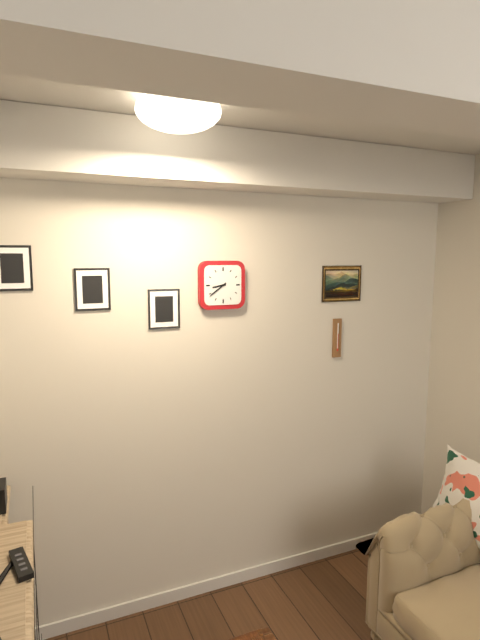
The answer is 8h39
